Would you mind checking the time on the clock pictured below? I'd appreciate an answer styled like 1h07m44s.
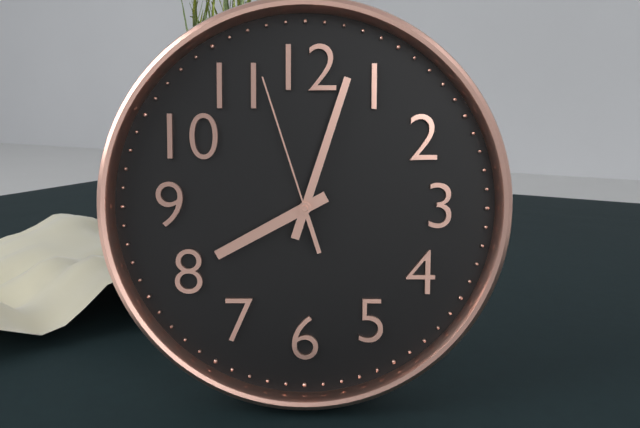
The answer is 8h03m57s
